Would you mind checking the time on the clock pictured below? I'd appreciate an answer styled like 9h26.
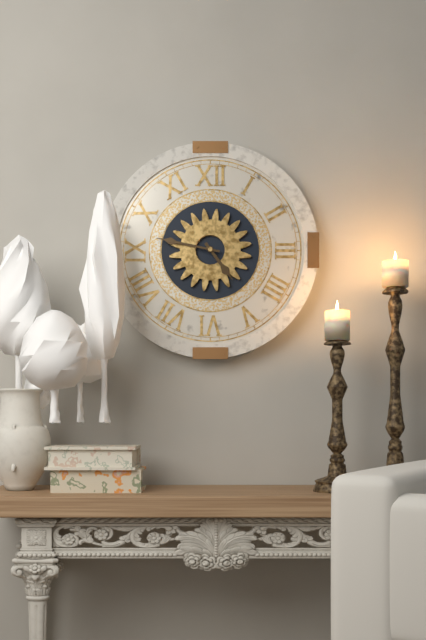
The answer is 4h47
